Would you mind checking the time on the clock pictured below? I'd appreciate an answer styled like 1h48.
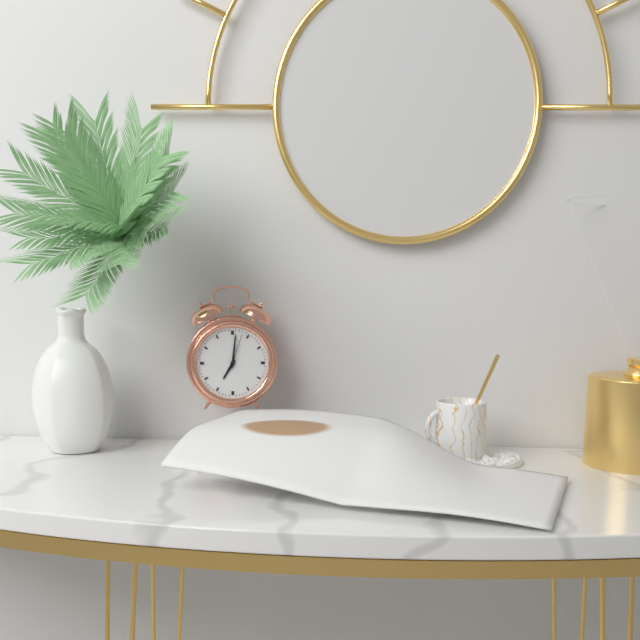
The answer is 7h01
